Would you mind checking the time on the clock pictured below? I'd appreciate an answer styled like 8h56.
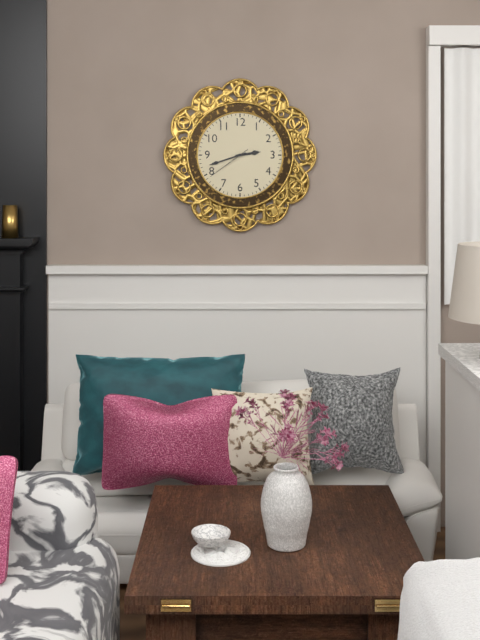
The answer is 2h42
